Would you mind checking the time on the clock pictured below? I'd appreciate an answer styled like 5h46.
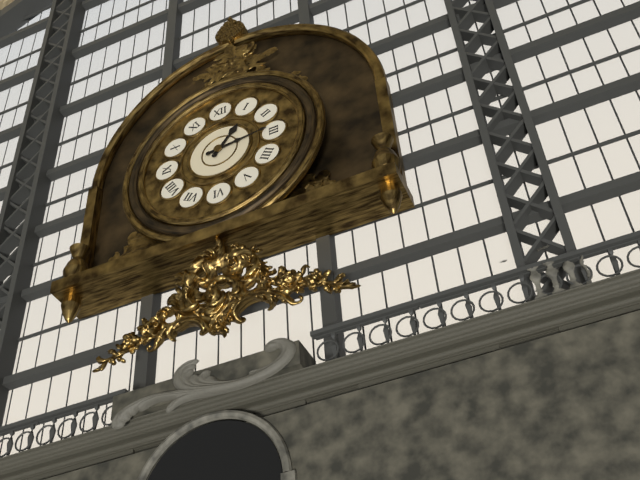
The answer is 1h14
